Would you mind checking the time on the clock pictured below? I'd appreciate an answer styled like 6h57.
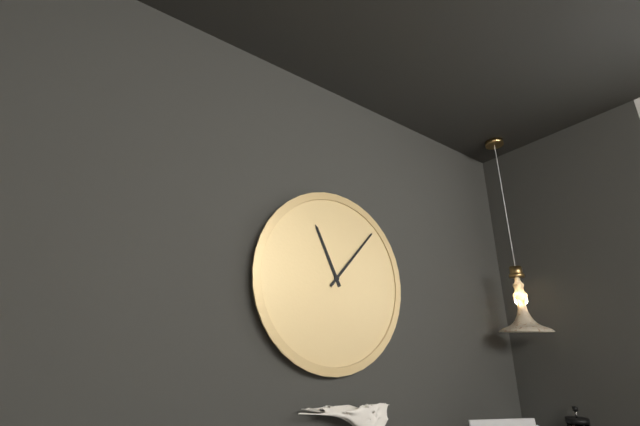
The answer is 11h07
